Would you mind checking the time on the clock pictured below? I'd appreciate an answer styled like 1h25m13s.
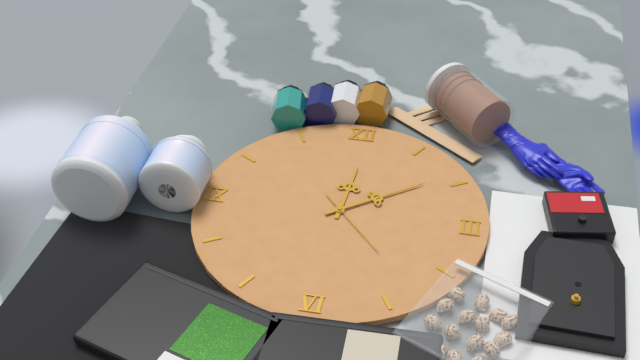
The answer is 12h09m23s
